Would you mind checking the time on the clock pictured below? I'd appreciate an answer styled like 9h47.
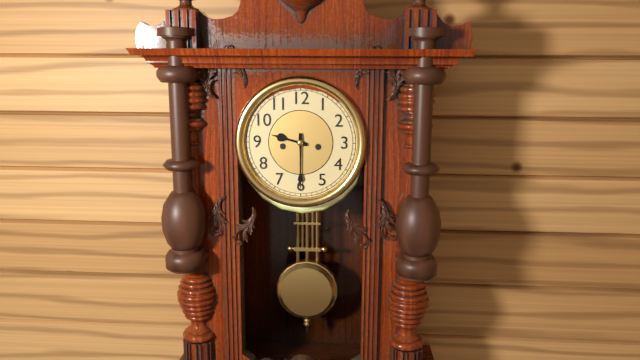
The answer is 9h30
